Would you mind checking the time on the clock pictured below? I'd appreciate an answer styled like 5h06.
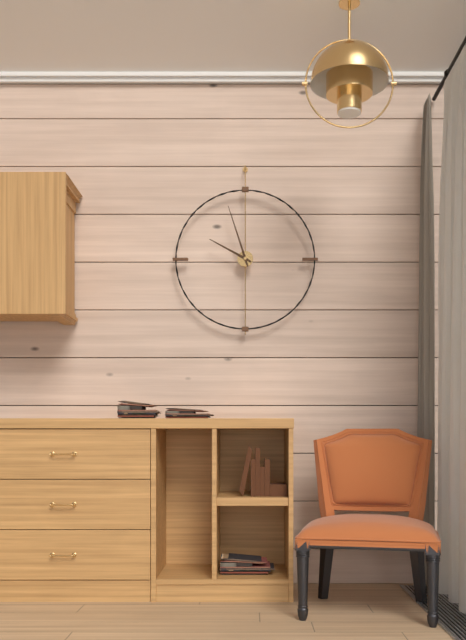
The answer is 9h57
